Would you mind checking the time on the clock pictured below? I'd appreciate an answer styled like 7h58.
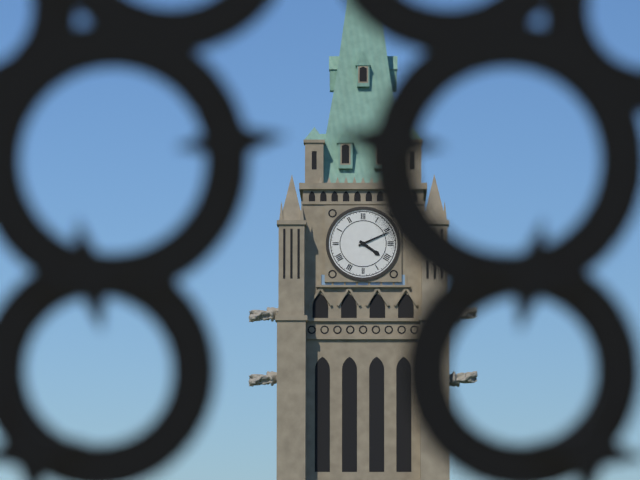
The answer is 4h11
